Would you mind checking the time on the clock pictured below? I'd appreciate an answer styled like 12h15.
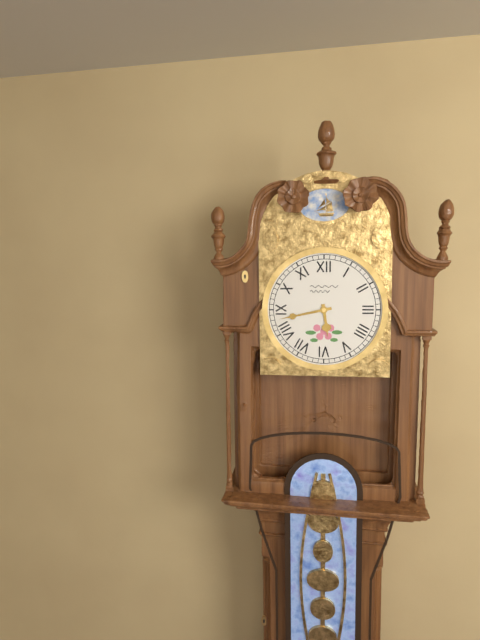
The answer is 5h43
